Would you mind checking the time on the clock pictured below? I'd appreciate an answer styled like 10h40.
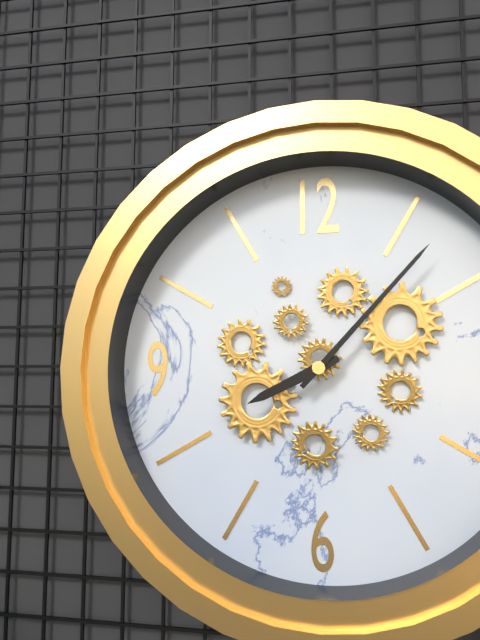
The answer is 8h07
